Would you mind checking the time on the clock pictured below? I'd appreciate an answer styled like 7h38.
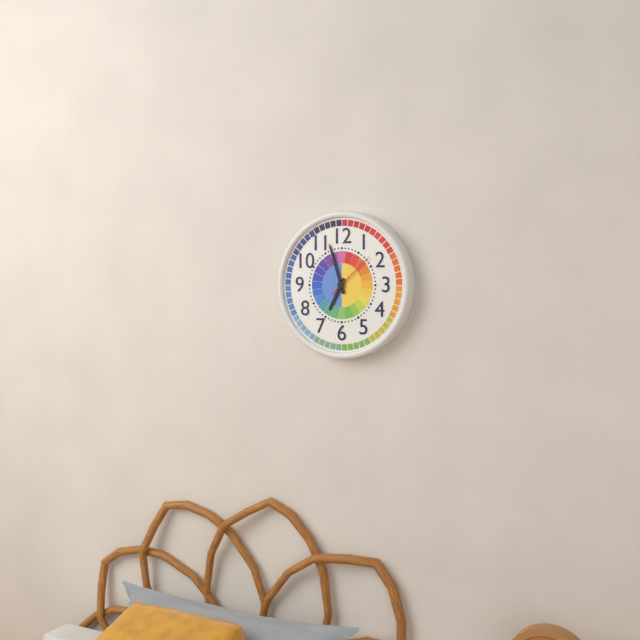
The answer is 6h57
